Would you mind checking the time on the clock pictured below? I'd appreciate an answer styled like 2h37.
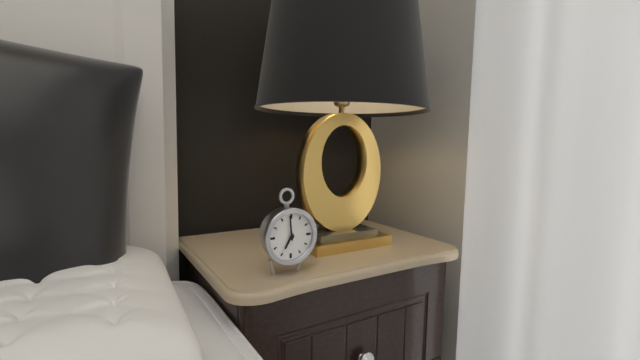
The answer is 6h59
